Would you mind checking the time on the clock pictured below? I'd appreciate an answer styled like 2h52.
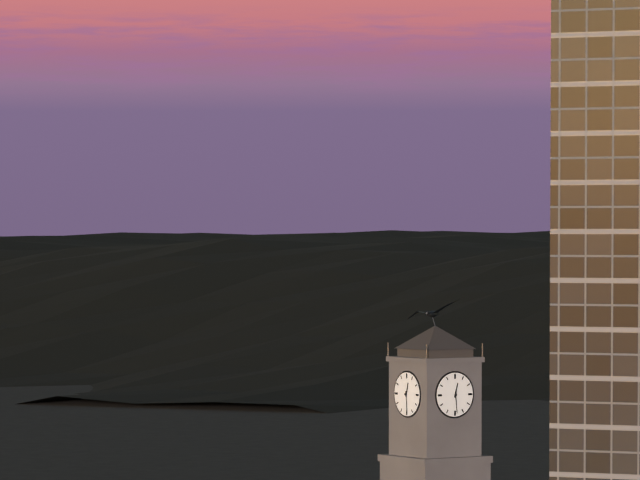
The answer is 12h29
